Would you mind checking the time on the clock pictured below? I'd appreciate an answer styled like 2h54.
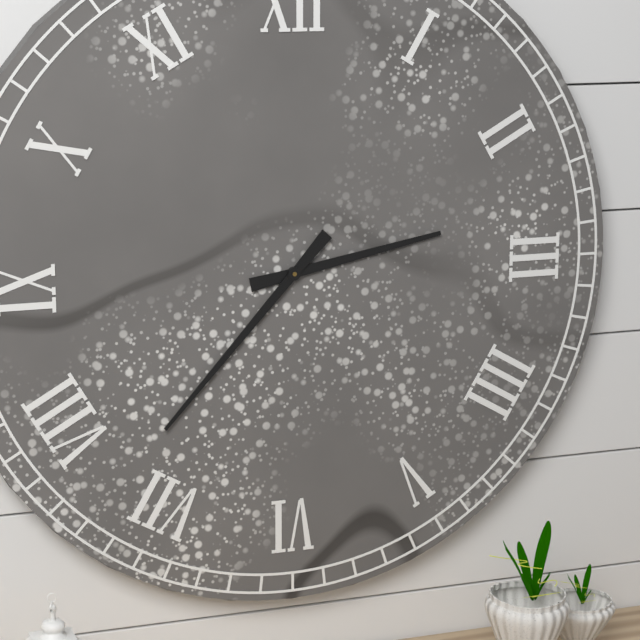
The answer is 2h37
